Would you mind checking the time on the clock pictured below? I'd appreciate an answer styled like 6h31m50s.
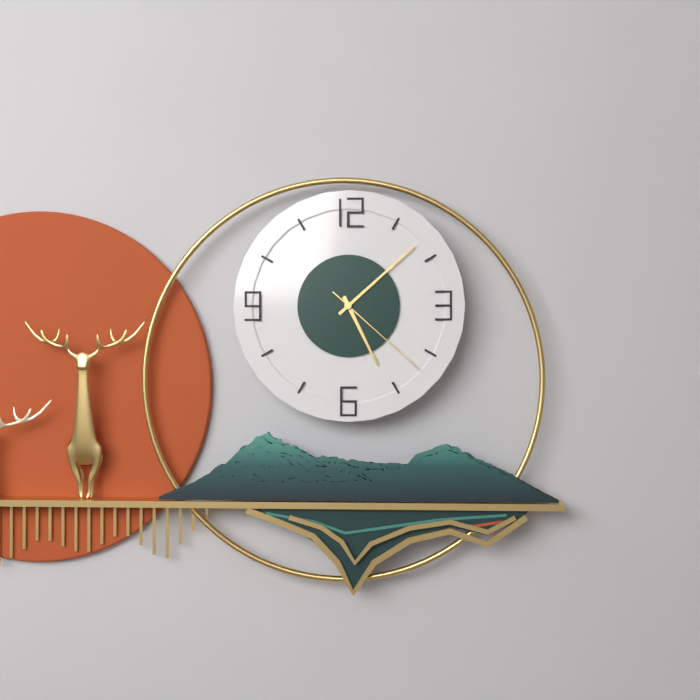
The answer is 5h08m22s
